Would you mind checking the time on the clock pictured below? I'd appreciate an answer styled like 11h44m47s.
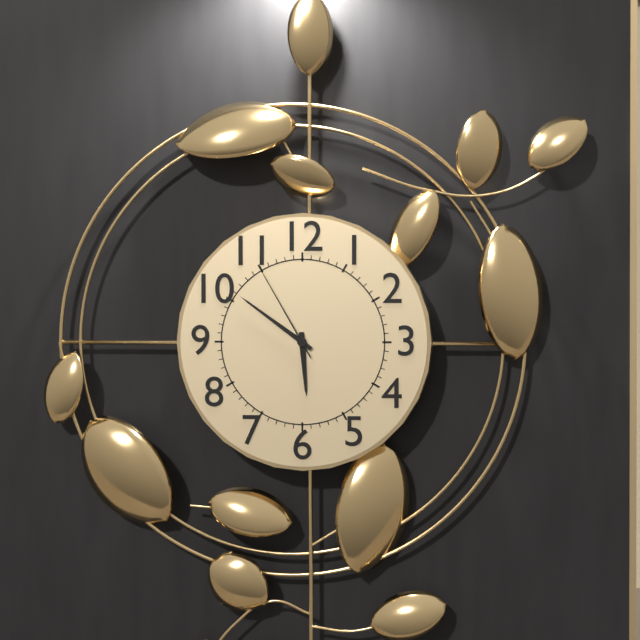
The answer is 5h51m55s
